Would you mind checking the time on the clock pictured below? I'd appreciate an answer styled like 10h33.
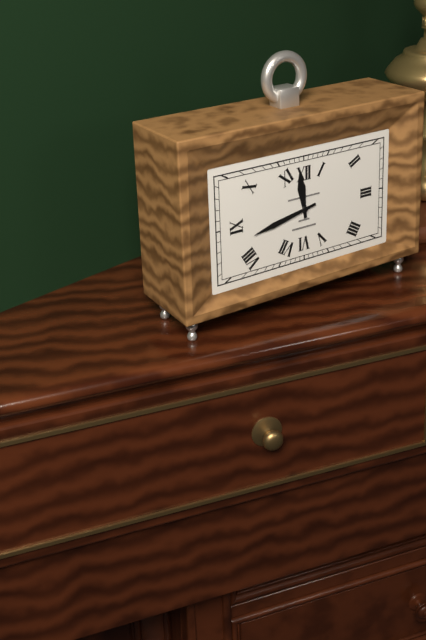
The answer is 11h43
